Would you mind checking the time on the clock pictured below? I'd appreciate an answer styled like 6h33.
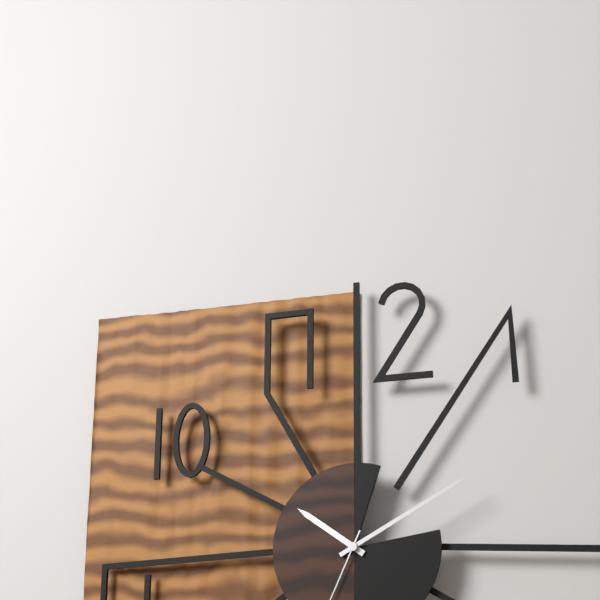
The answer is 10h10
